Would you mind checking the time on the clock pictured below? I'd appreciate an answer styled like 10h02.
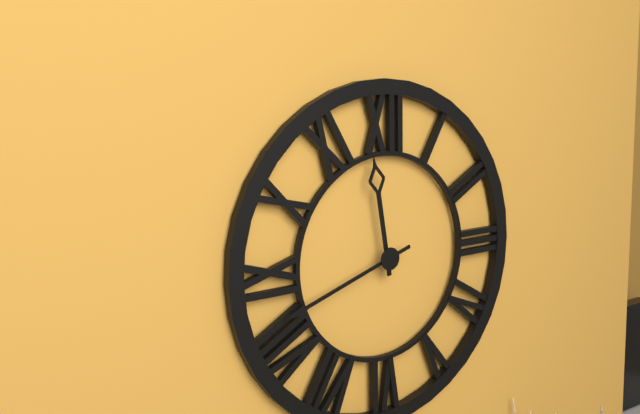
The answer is 11h42
